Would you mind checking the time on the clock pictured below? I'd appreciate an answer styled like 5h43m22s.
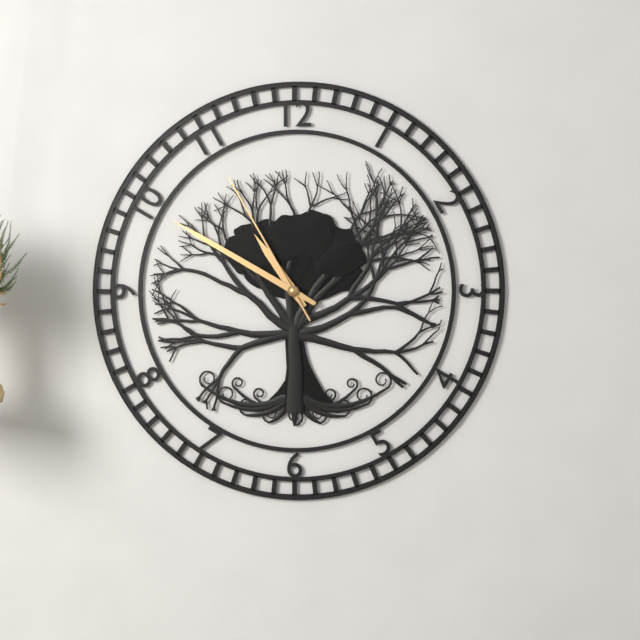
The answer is 10h50m55s
